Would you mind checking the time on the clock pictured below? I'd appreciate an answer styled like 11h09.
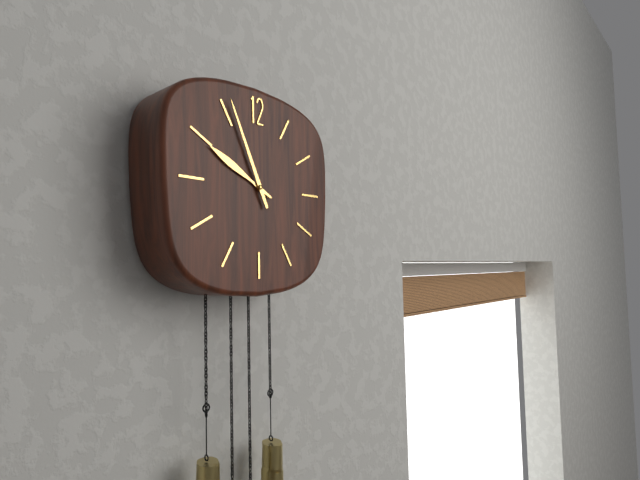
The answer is 9h56
